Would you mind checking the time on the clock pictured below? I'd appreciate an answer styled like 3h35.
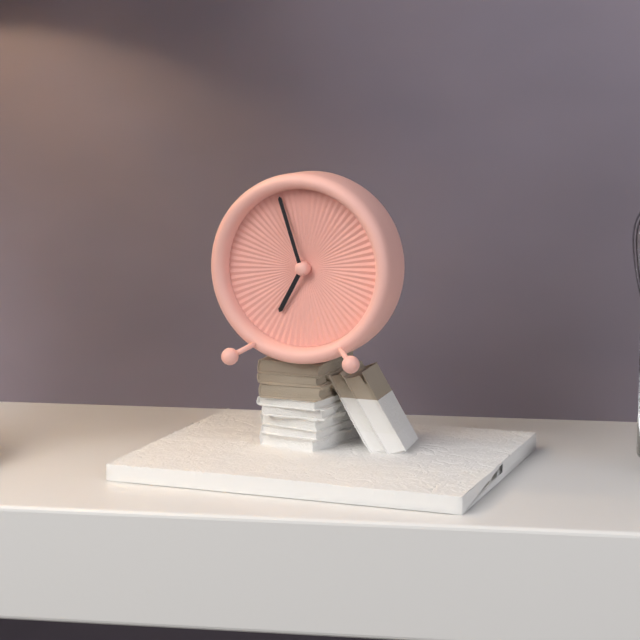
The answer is 6h57
